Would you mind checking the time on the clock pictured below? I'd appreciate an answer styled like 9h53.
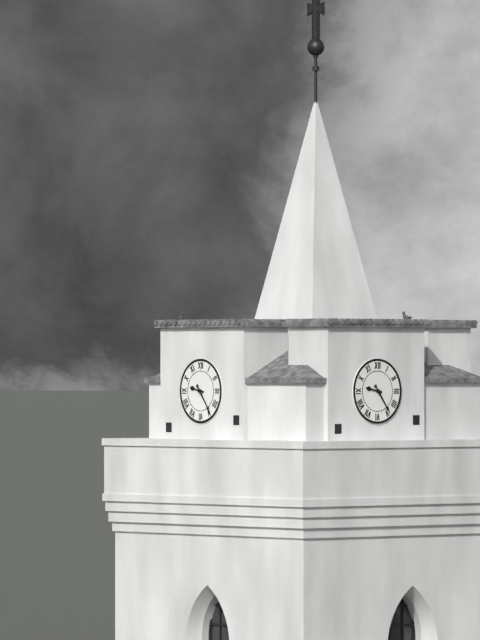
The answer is 9h24
